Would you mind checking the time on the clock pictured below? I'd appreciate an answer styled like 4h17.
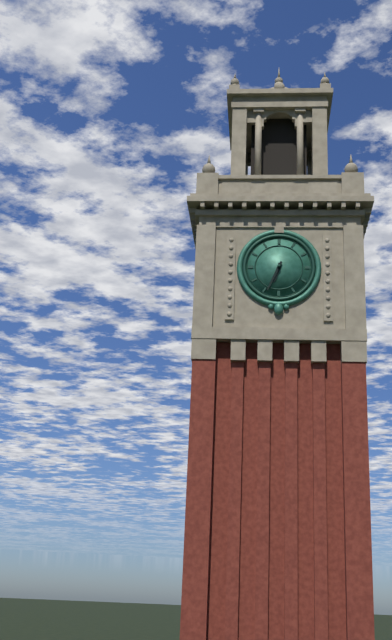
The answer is 6h34
